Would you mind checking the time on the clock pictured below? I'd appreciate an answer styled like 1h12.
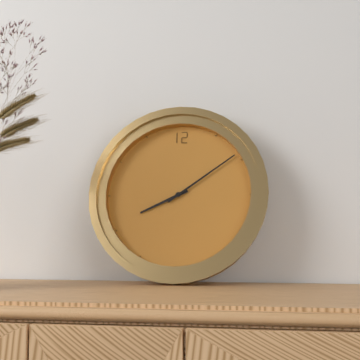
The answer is 8h09
